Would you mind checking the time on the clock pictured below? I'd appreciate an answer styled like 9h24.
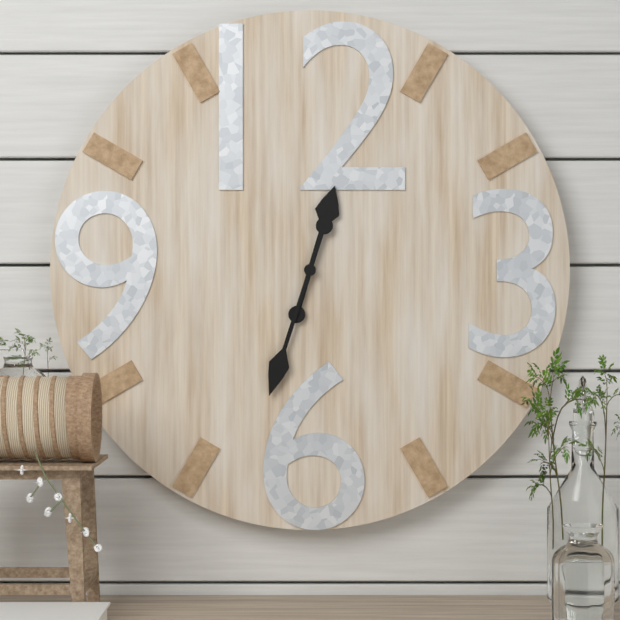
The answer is 12h33
